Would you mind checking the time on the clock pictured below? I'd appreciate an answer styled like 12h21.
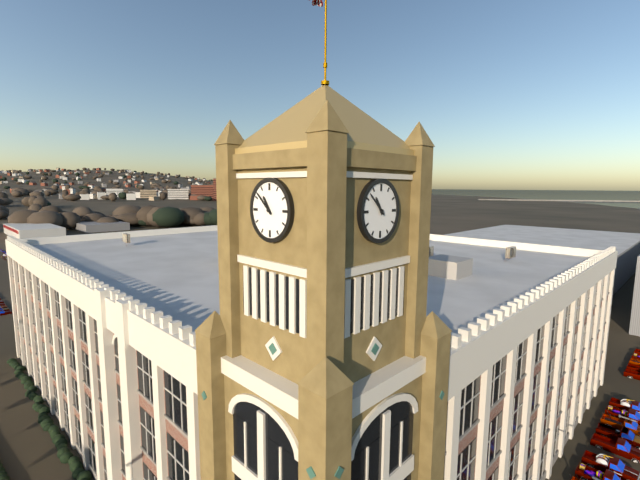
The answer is 10h52
